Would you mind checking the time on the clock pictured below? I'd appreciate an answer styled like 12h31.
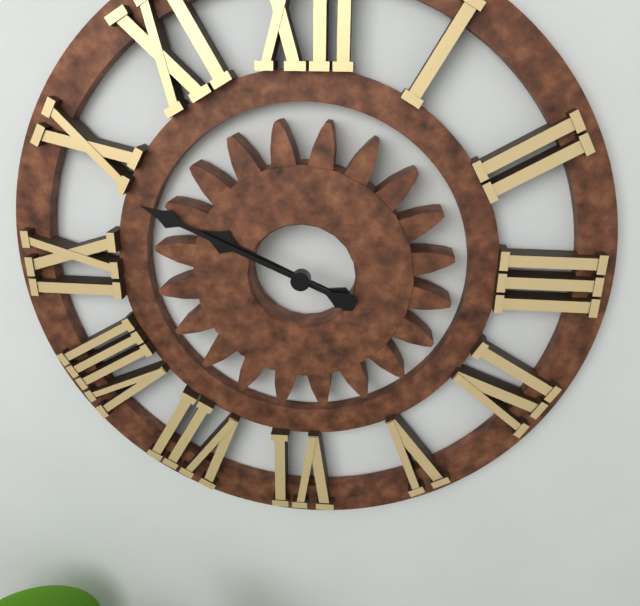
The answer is 9h49
